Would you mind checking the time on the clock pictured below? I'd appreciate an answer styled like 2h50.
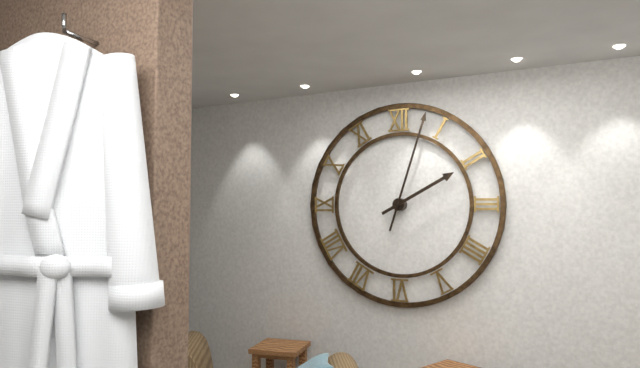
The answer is 2h03
